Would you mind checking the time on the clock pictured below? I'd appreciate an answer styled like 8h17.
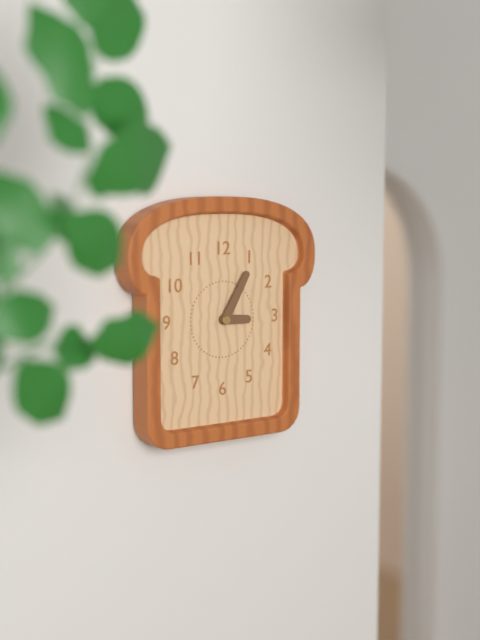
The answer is 3h05
